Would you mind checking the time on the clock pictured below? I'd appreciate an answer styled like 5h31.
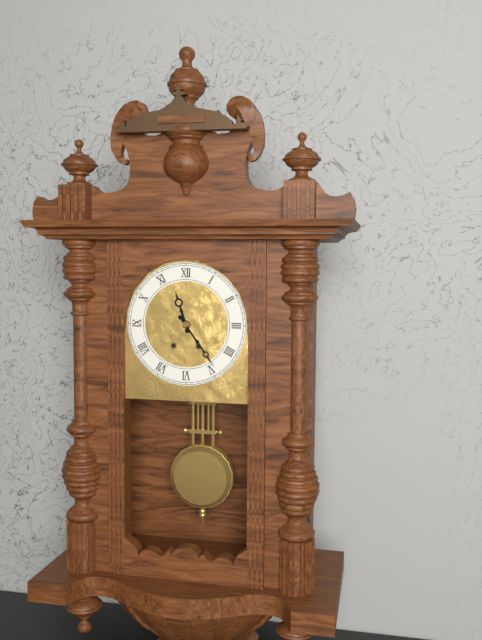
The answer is 11h24
